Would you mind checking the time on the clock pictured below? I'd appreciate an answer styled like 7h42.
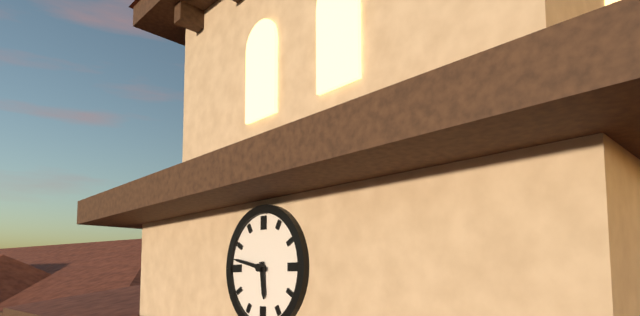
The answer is 5h47
